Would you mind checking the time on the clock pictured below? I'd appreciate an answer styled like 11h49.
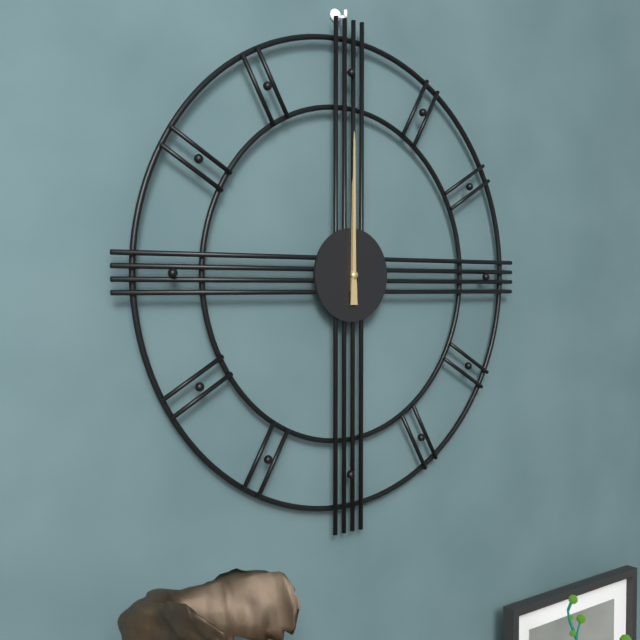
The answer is 12h00
